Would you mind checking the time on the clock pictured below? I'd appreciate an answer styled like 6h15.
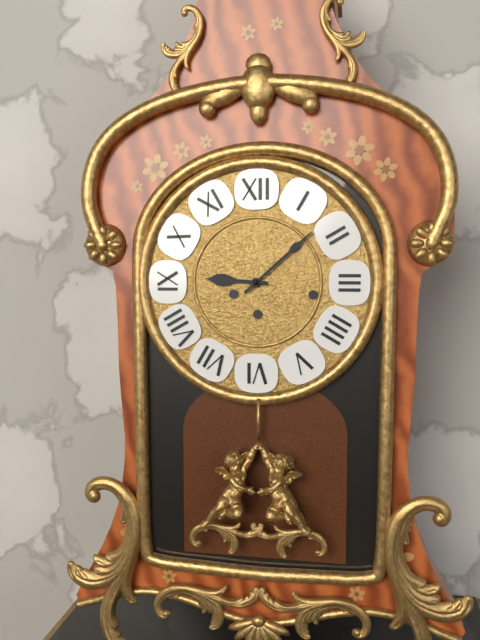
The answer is 9h08
